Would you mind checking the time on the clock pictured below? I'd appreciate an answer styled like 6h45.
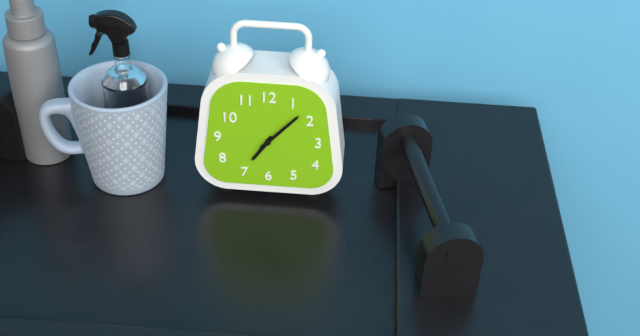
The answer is 7h07
